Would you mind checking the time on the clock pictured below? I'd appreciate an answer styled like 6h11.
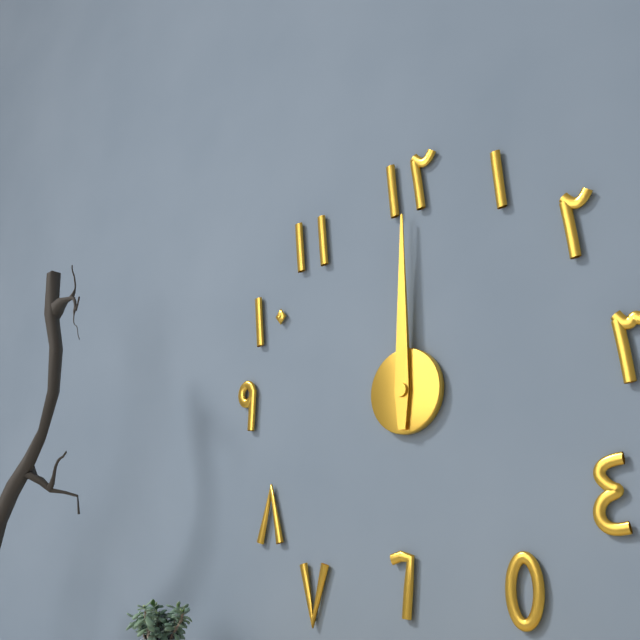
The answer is 12h00
